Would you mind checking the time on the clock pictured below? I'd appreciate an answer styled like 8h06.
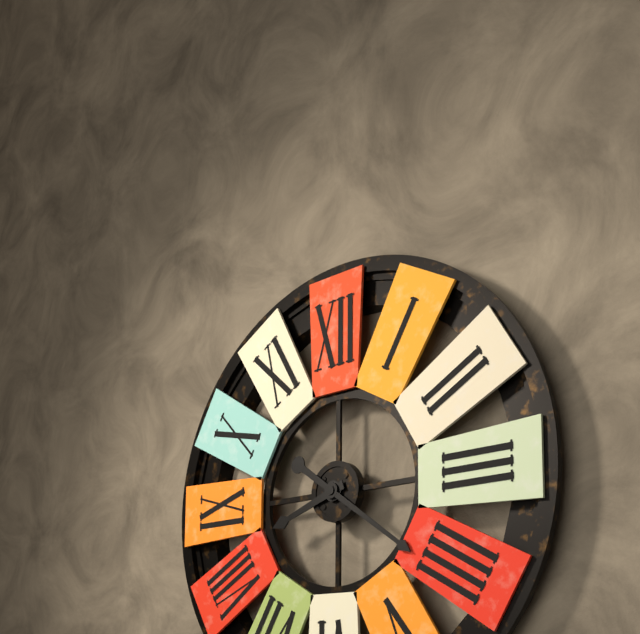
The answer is 8h21
